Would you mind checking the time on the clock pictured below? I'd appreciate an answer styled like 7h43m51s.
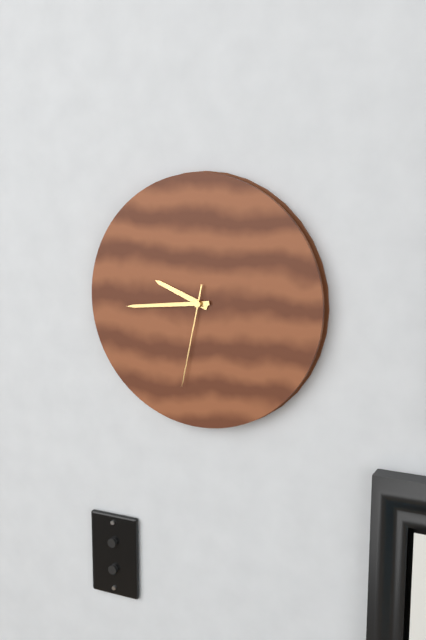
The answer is 9h44m32s
